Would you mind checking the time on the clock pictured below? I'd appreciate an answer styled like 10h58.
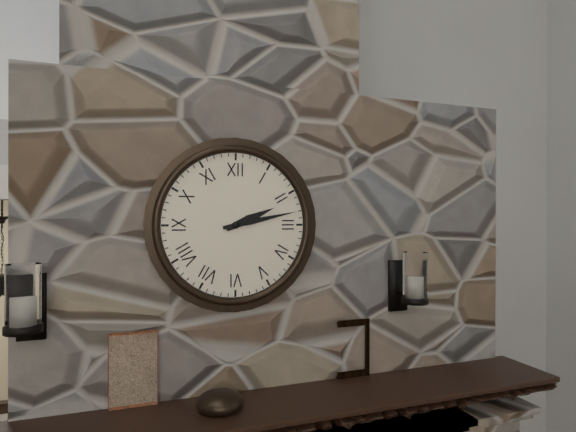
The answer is 2h13
